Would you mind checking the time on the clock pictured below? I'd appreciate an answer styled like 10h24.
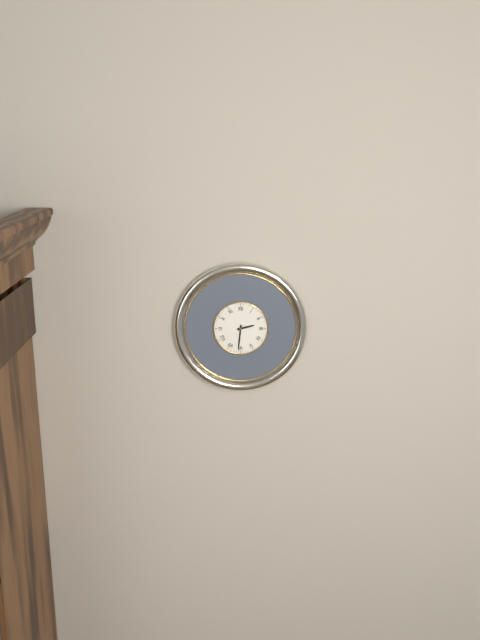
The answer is 2h31
